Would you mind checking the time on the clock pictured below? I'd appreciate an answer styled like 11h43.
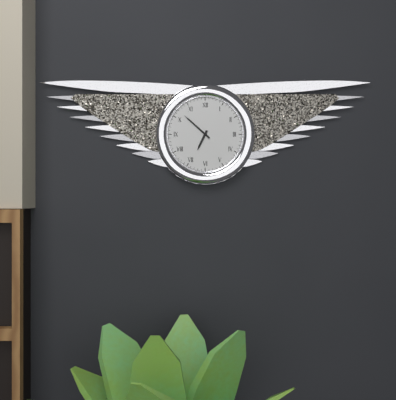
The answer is 6h52
